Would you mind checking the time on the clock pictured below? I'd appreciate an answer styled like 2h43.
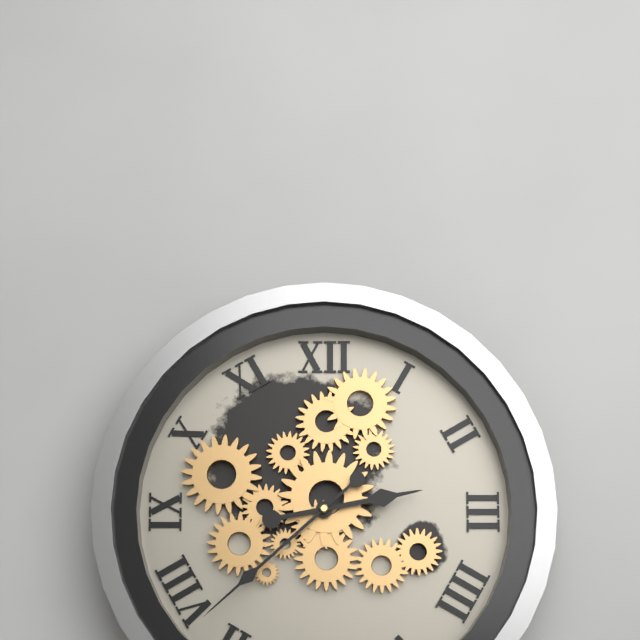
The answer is 2h38
